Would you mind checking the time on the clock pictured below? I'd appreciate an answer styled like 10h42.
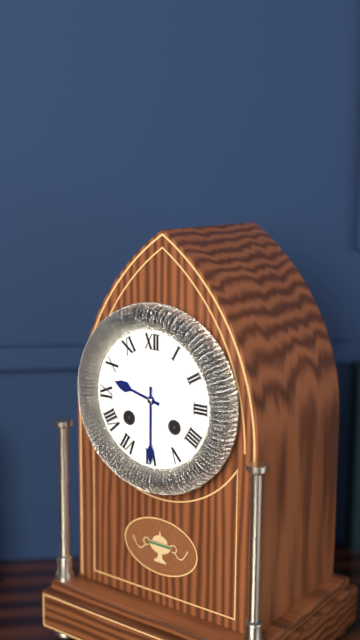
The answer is 9h30
